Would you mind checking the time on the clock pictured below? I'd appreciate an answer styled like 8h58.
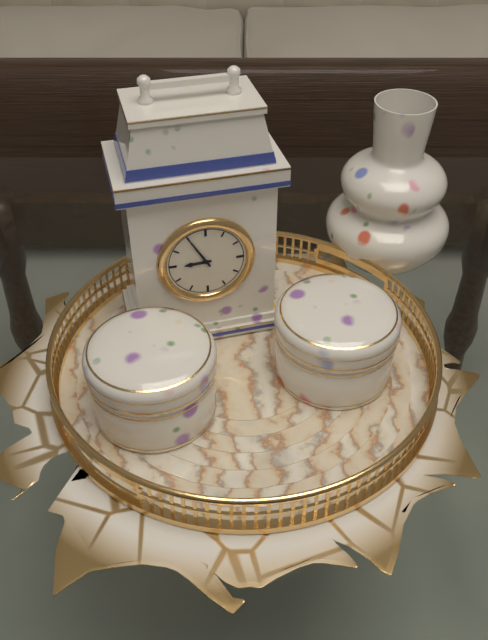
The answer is 8h55
